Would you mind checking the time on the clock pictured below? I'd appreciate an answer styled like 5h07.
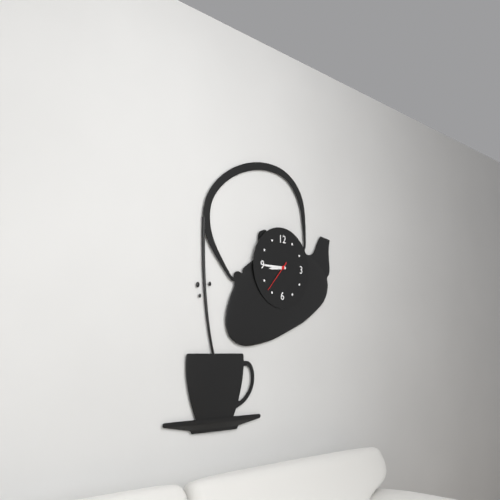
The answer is 8h45
